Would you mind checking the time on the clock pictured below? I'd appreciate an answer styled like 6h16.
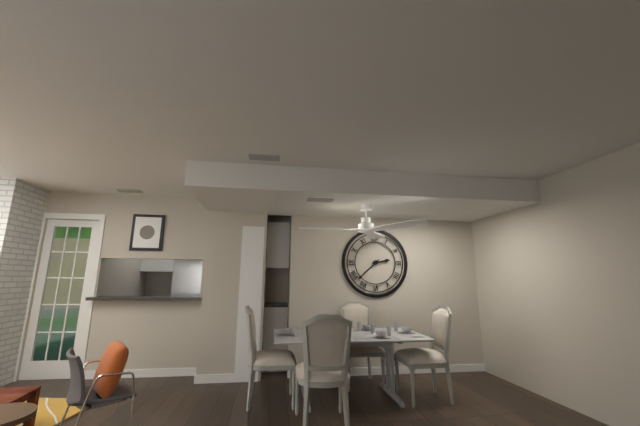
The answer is 2h38
